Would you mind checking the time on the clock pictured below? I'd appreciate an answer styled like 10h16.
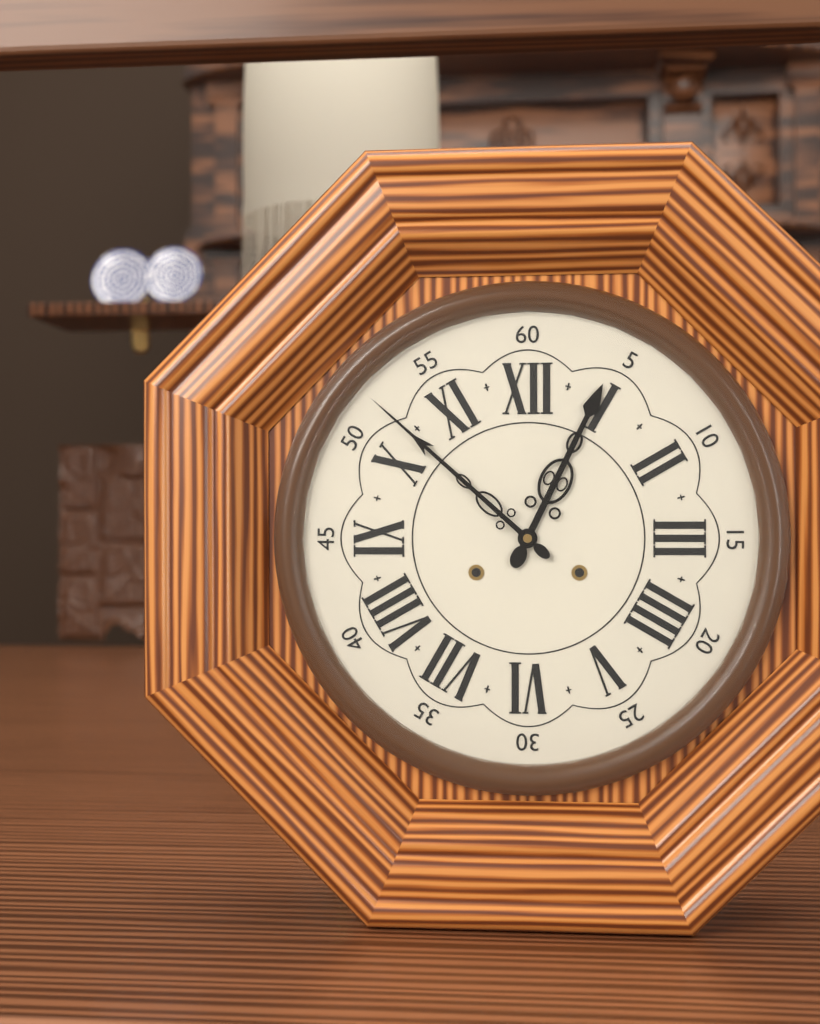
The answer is 12h52
